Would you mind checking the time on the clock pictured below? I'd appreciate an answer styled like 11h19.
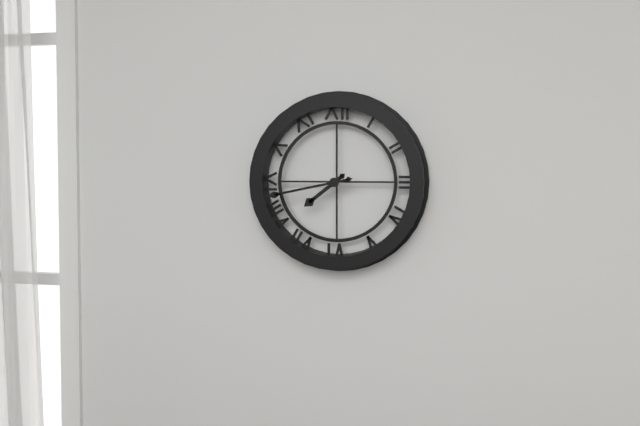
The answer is 7h43
